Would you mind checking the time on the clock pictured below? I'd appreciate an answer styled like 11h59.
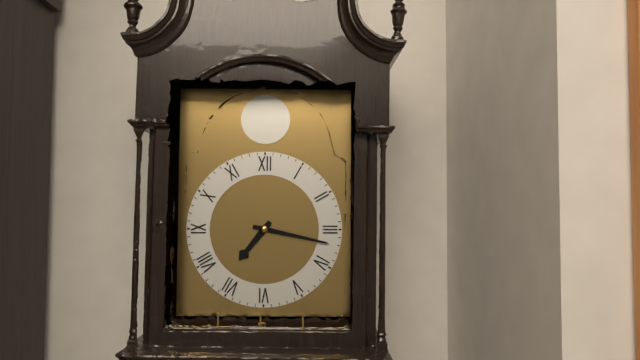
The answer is 7h17
